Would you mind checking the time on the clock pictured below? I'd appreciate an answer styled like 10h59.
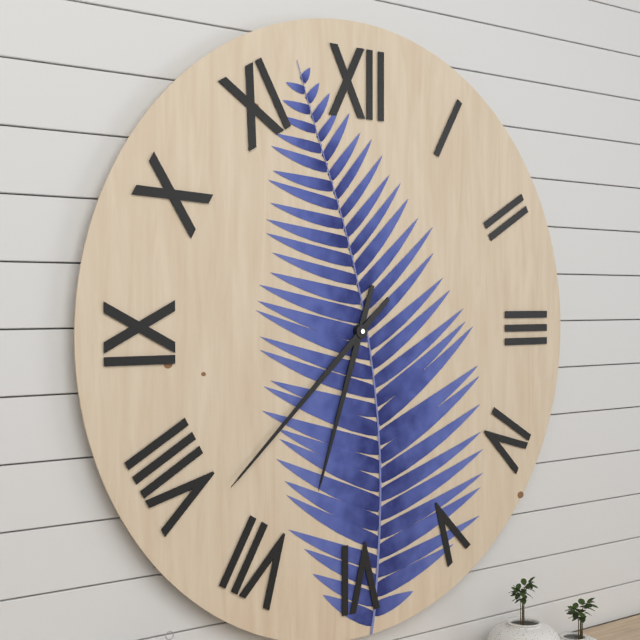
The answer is 6h38
